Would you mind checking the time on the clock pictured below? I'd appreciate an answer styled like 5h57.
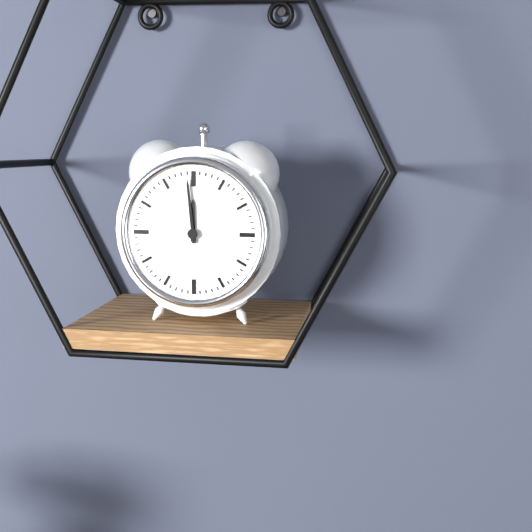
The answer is 11h59
